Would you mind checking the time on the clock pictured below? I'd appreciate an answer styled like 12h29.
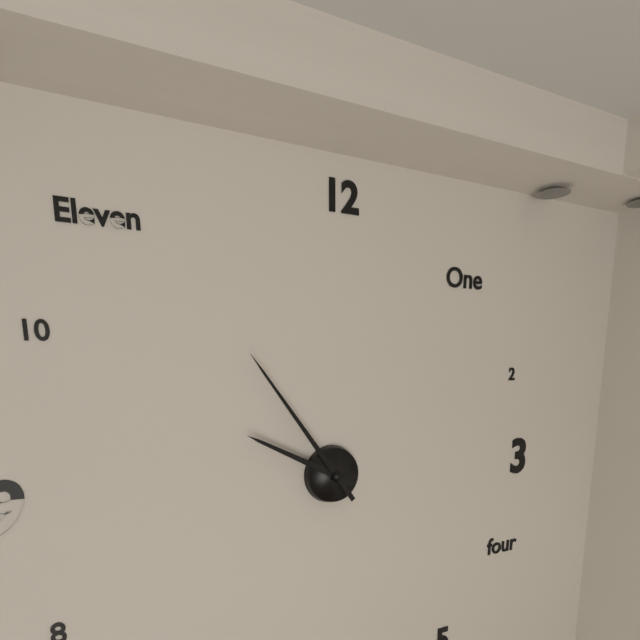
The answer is 9h54
